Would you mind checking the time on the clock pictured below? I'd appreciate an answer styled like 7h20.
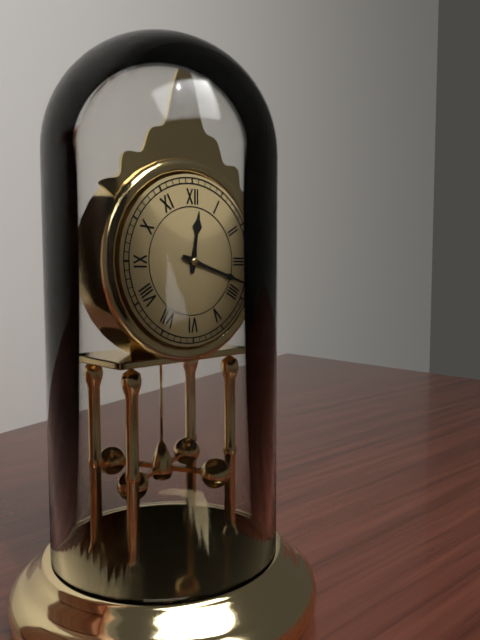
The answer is 12h18
